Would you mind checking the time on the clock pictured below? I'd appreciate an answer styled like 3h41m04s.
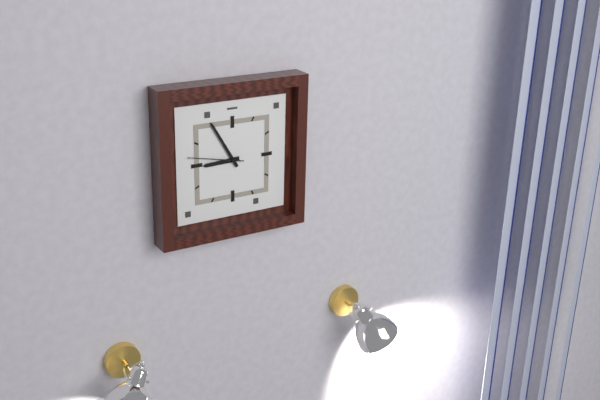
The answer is 8h55m47s
